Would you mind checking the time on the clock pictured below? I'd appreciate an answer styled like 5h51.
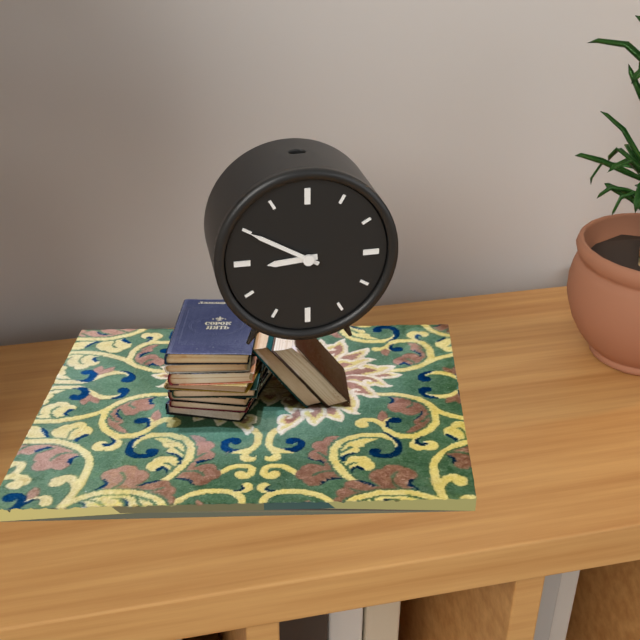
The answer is 8h50
